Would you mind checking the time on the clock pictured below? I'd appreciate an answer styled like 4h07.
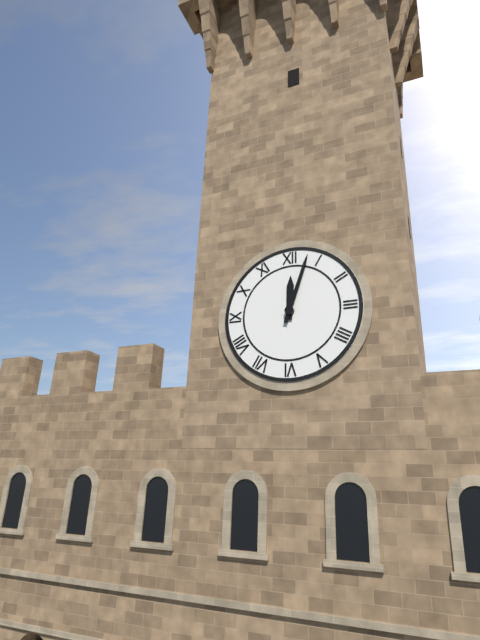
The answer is 12h03
